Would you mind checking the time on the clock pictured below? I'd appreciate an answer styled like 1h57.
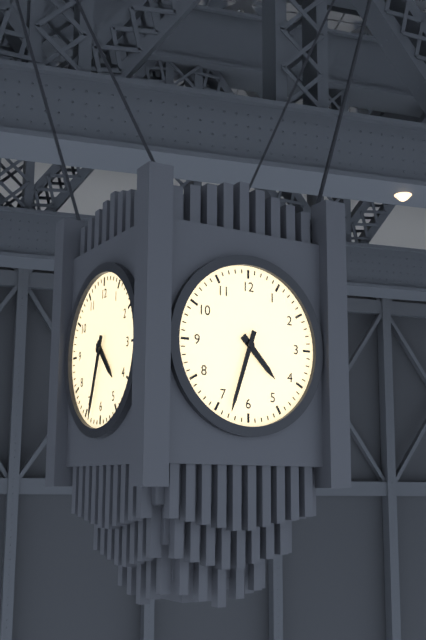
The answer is 4h33
